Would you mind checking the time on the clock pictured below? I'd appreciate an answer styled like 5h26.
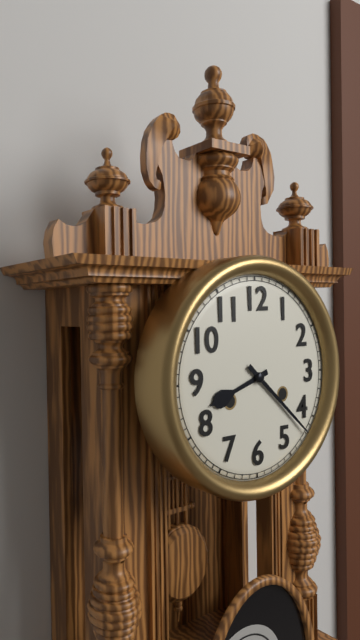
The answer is 8h22
